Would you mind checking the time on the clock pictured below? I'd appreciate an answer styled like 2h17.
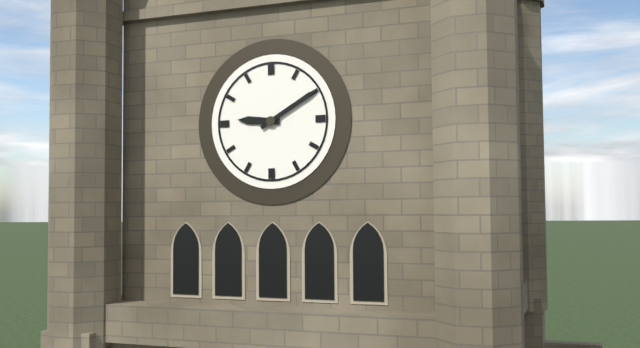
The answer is 9h10
